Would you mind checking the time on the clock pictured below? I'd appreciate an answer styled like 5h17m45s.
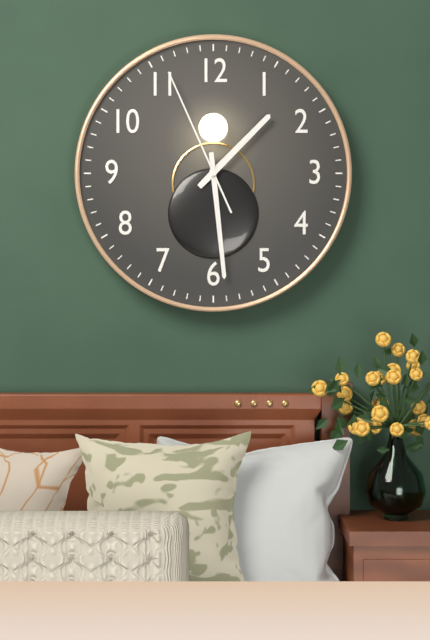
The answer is 1h29m56s
